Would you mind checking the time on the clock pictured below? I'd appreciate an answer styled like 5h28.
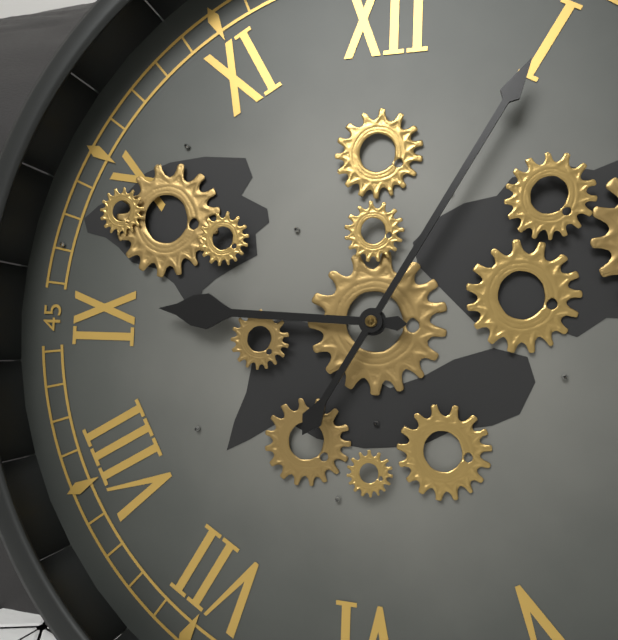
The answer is 9h05
